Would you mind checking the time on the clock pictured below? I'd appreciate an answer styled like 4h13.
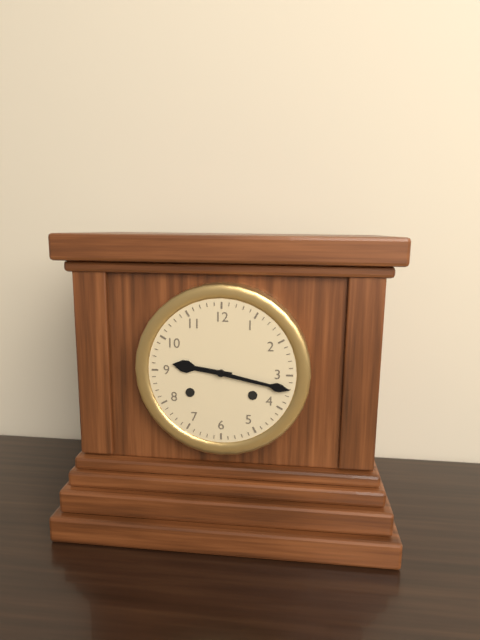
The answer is 9h17
